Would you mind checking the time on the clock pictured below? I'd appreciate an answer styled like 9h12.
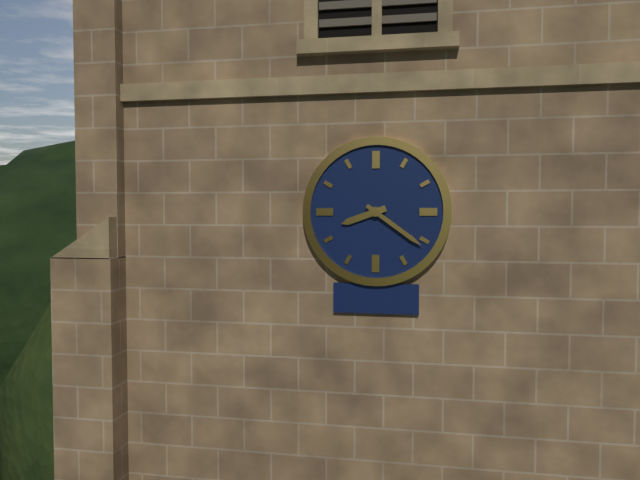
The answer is 8h21
